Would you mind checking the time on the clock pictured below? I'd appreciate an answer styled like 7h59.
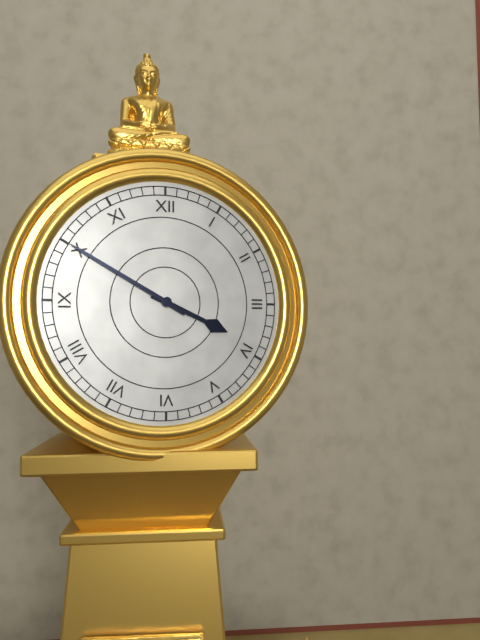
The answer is 3h50
